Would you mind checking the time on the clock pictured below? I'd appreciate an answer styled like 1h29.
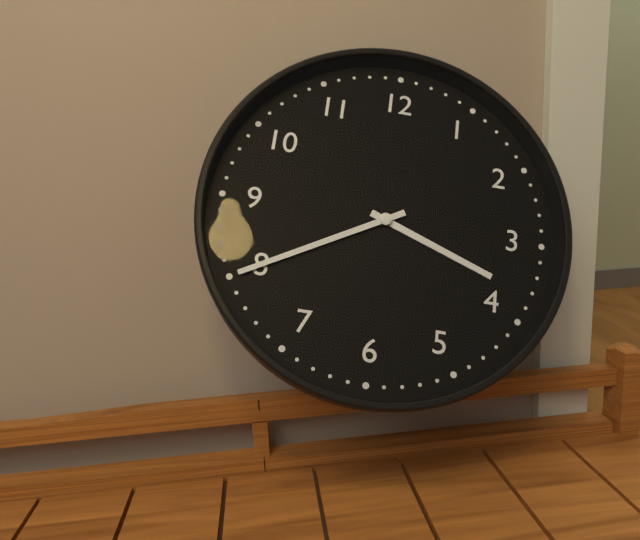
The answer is 3h40
